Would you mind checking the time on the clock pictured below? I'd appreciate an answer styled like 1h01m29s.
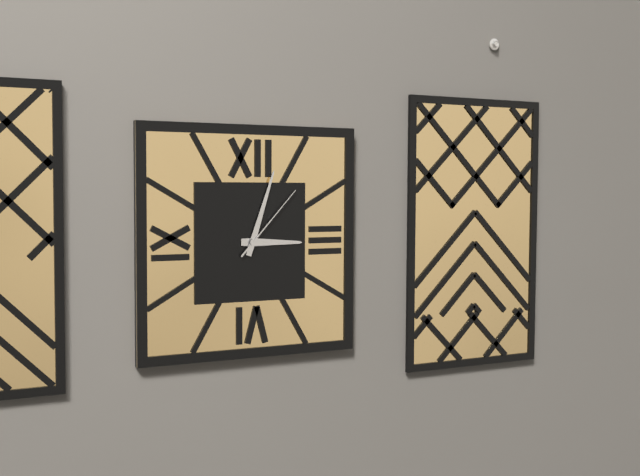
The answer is 3h03m07s
